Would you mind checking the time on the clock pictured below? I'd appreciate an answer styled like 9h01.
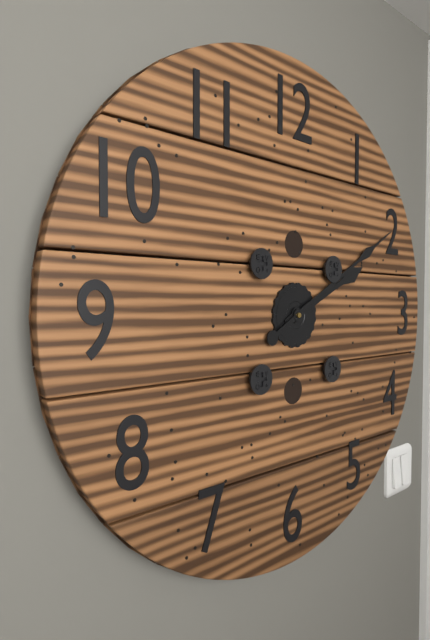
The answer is 2h10
